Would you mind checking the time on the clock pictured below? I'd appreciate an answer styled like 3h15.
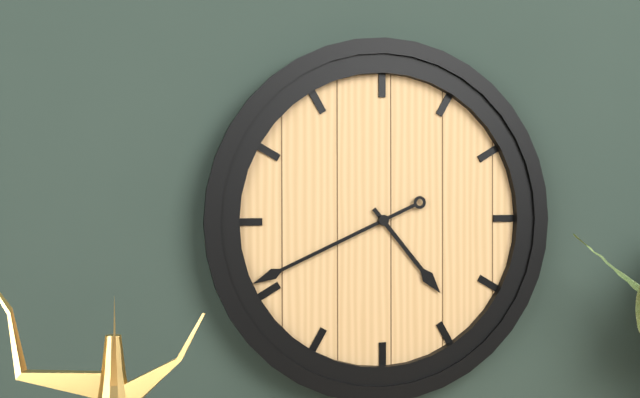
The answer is 4h41
